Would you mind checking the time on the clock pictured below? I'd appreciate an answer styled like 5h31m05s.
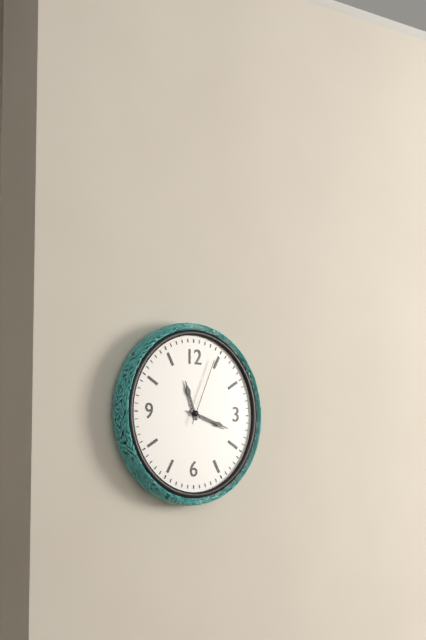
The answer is 11h18m04s
